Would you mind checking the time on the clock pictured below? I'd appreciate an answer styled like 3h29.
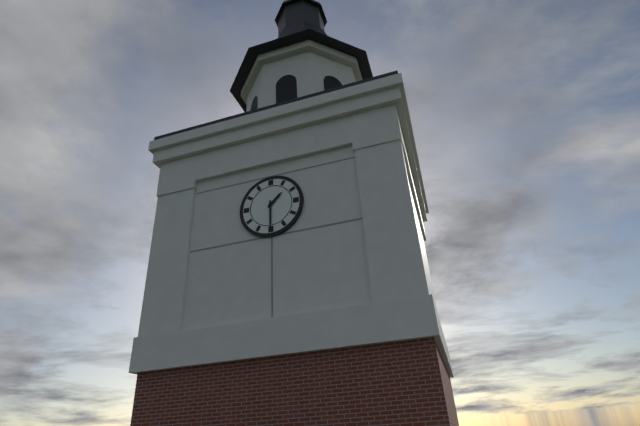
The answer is 1h30
